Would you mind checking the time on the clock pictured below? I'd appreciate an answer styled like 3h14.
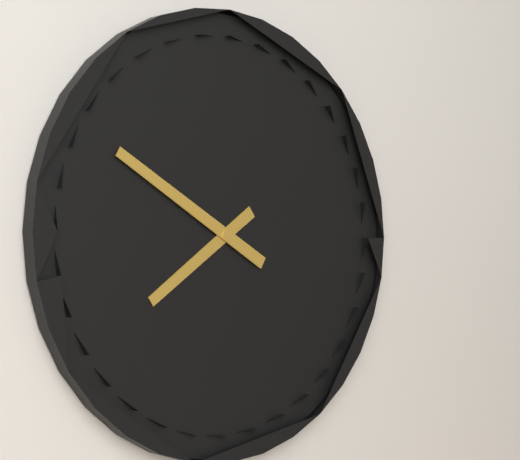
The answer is 7h50
